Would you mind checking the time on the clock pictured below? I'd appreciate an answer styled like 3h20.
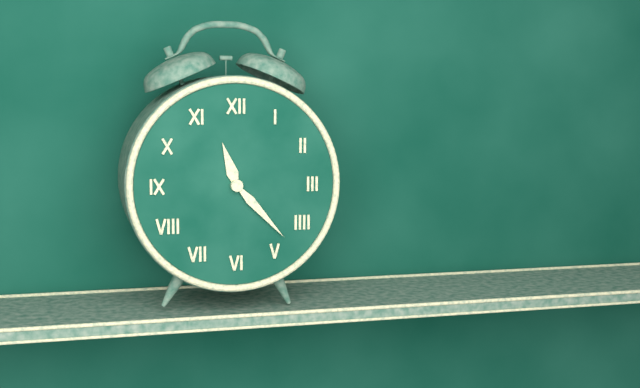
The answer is 11h23
